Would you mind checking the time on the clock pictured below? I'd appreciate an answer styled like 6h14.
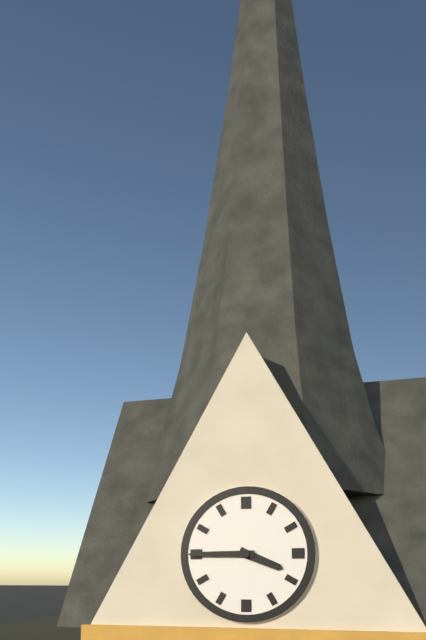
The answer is 3h45
